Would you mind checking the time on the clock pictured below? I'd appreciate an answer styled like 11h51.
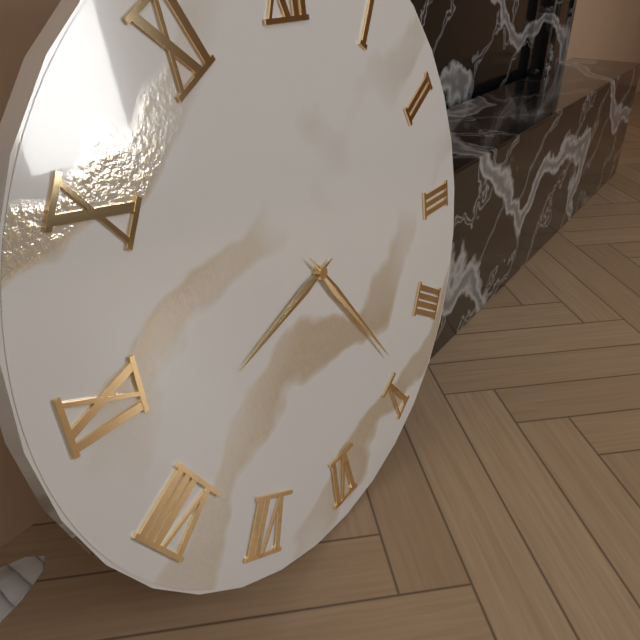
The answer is 8h24
